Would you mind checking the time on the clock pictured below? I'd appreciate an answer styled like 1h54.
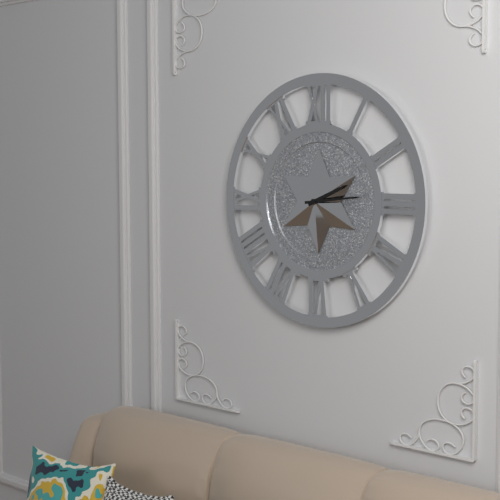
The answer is 2h14
